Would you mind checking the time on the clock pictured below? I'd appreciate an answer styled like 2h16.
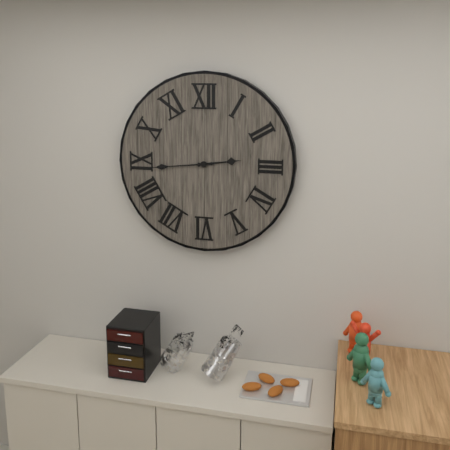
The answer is 2h44
